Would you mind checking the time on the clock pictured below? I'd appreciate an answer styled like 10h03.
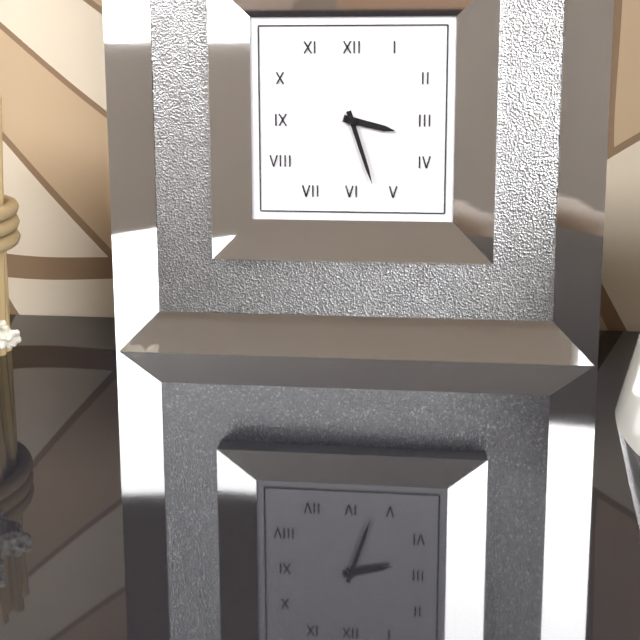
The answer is 3h27
